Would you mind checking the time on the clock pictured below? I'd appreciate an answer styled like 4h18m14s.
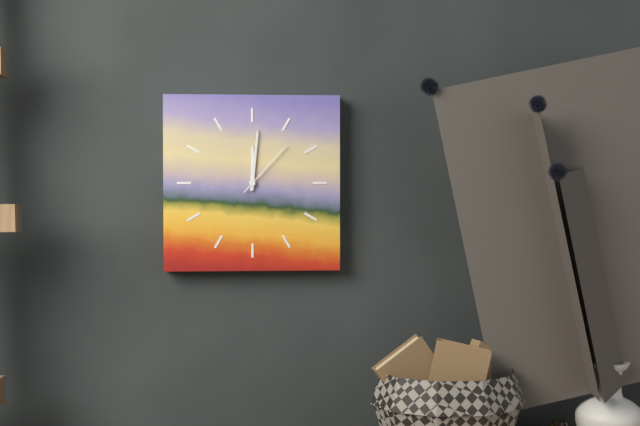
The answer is 12h01m07s
